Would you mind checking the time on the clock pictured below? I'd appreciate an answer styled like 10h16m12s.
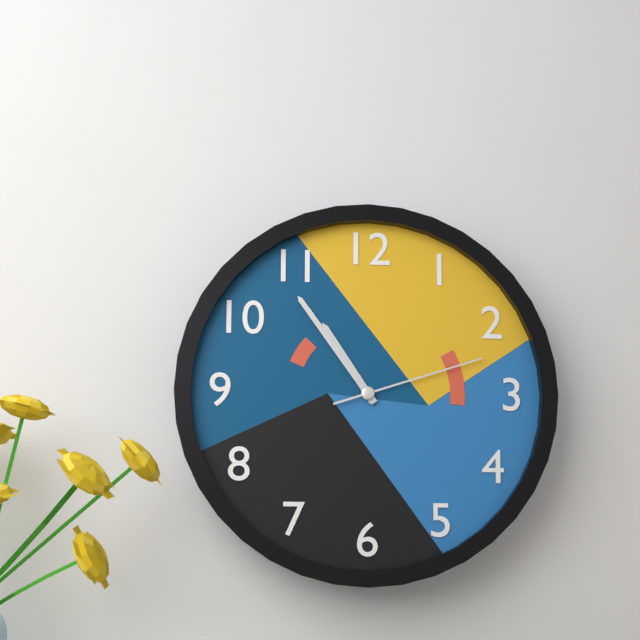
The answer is 10h54m12s
